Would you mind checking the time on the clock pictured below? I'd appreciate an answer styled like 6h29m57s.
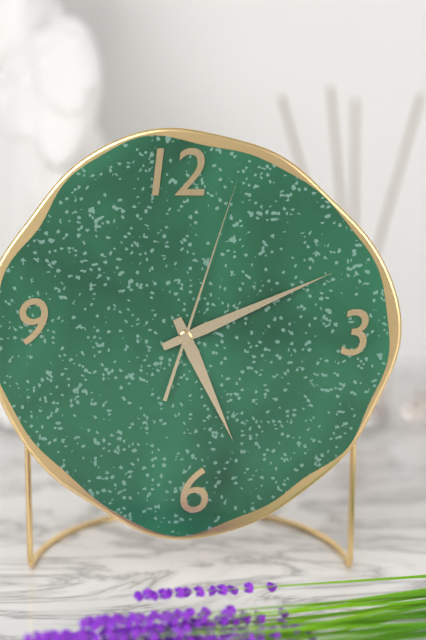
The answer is 5h11m03s
